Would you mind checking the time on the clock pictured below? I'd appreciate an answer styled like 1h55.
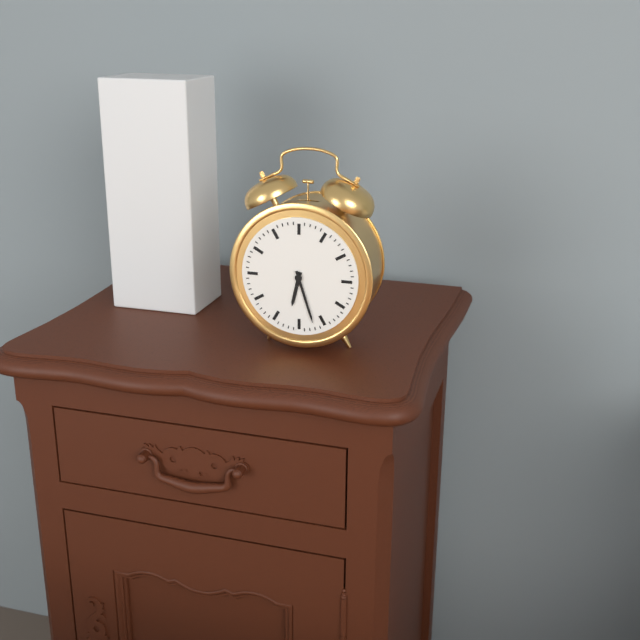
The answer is 6h27
